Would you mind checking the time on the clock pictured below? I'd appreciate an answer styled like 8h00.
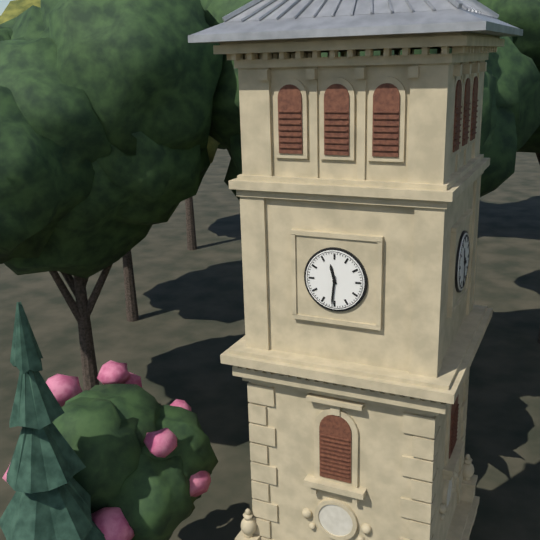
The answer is 11h31
